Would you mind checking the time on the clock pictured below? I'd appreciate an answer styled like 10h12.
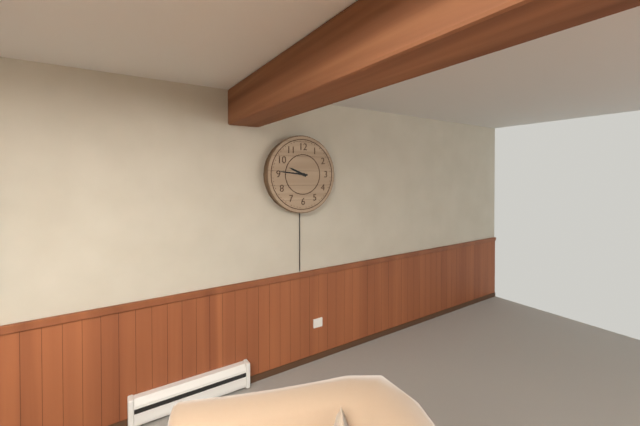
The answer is 9h46
